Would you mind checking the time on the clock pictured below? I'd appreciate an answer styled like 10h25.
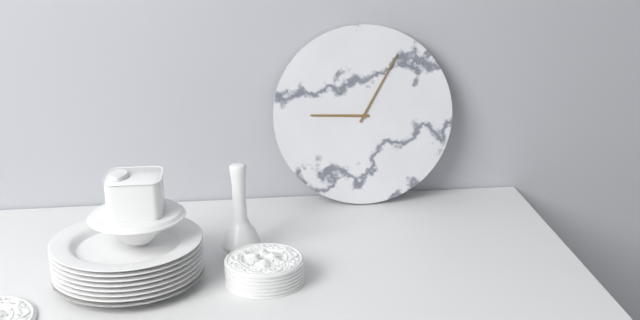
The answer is 9h05
